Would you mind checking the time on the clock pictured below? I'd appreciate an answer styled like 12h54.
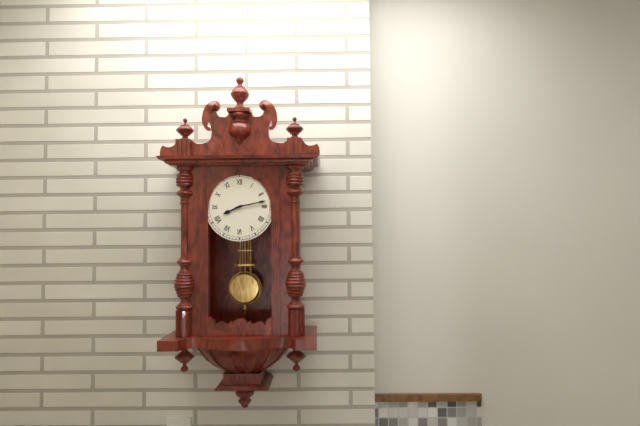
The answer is 8h13
